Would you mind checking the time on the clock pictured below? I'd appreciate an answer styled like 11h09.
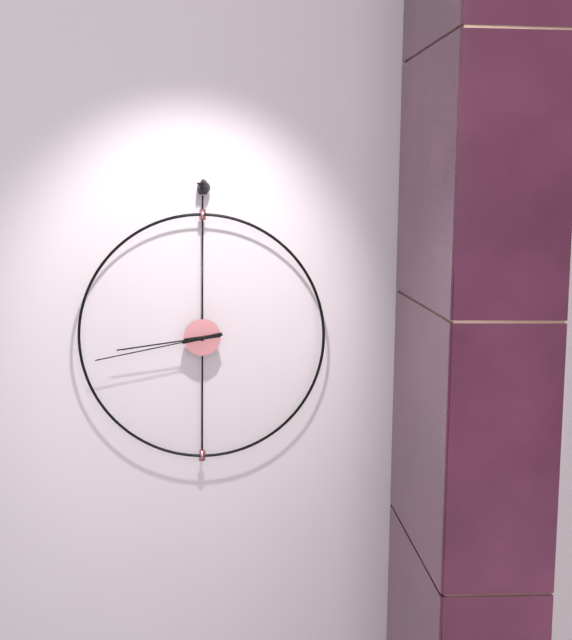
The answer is 8h43
